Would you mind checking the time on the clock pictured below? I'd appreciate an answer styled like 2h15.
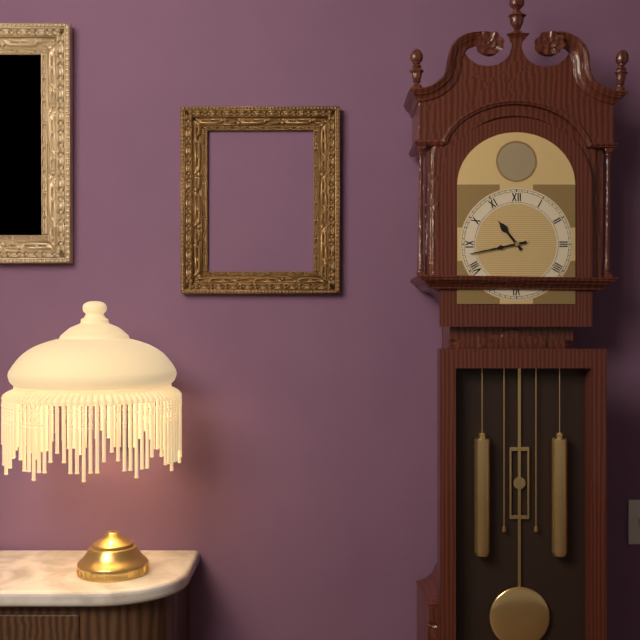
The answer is 10h43
